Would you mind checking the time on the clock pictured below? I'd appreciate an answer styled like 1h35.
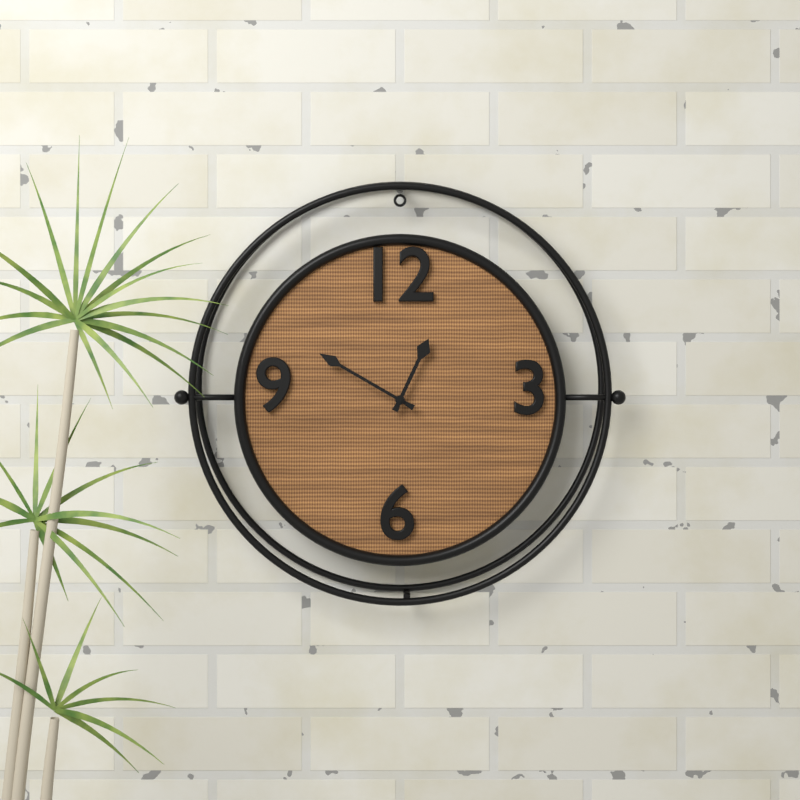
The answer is 12h50
